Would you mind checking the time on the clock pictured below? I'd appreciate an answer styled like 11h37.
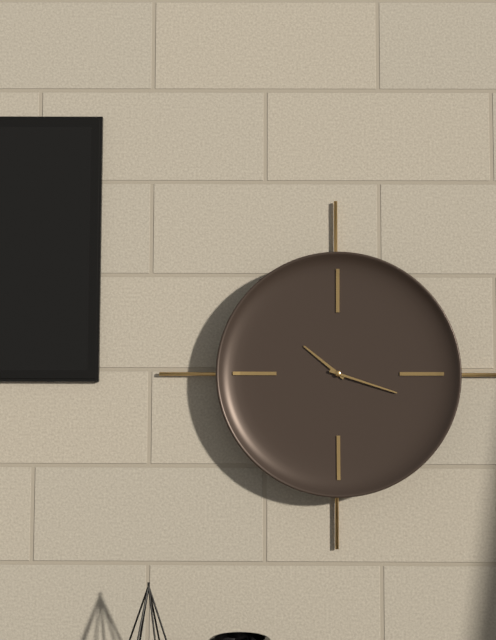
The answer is 10h18
